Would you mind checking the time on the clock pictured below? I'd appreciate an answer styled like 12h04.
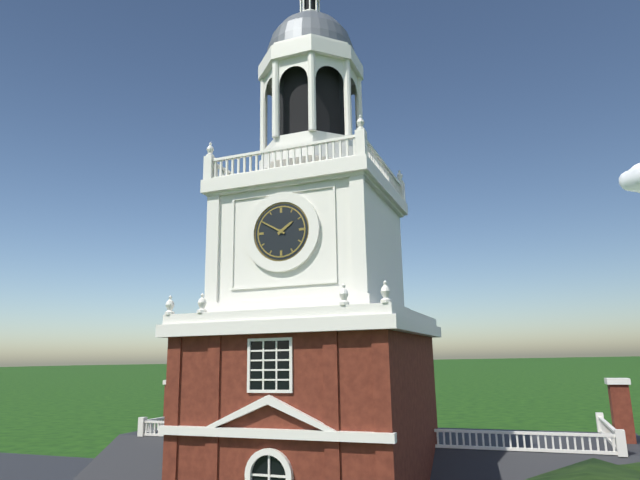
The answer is 1h50
